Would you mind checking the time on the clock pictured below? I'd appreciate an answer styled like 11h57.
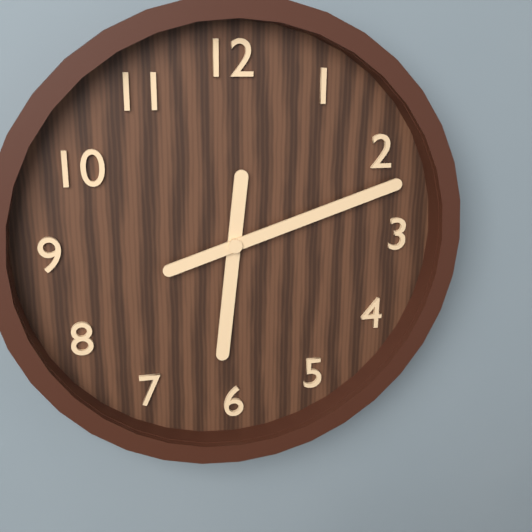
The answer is 6h12
